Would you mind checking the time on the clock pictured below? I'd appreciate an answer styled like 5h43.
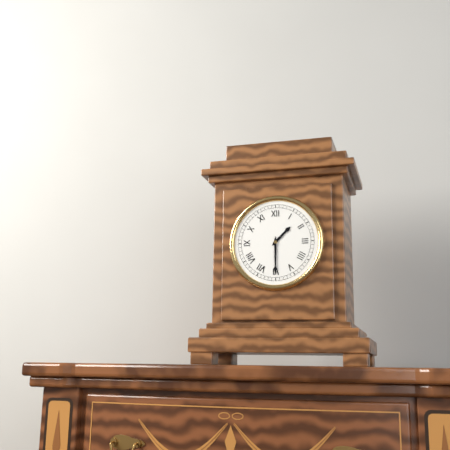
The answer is 1h30
